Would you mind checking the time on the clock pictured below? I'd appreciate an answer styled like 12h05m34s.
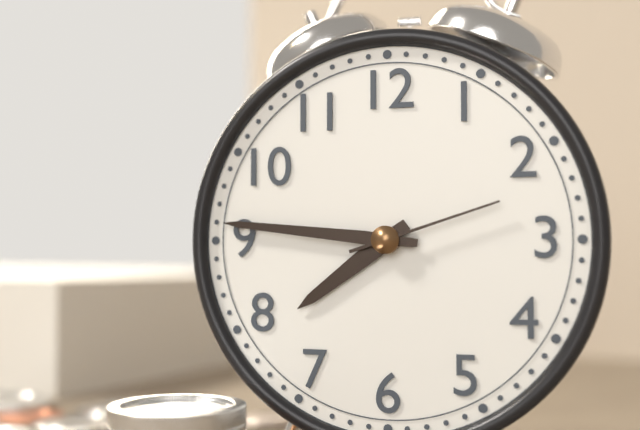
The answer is 7h46m12s
